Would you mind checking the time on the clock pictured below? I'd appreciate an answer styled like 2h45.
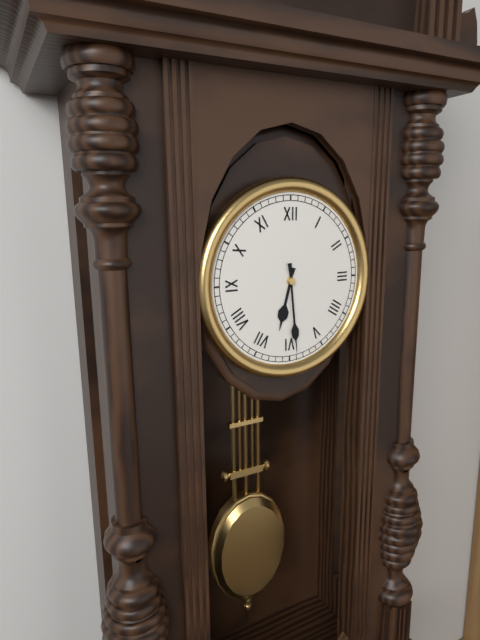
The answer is 6h29
